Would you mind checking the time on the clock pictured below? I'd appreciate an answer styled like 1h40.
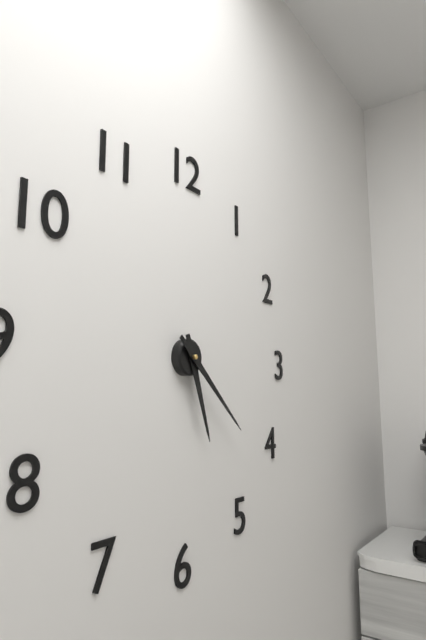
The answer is 5h22
